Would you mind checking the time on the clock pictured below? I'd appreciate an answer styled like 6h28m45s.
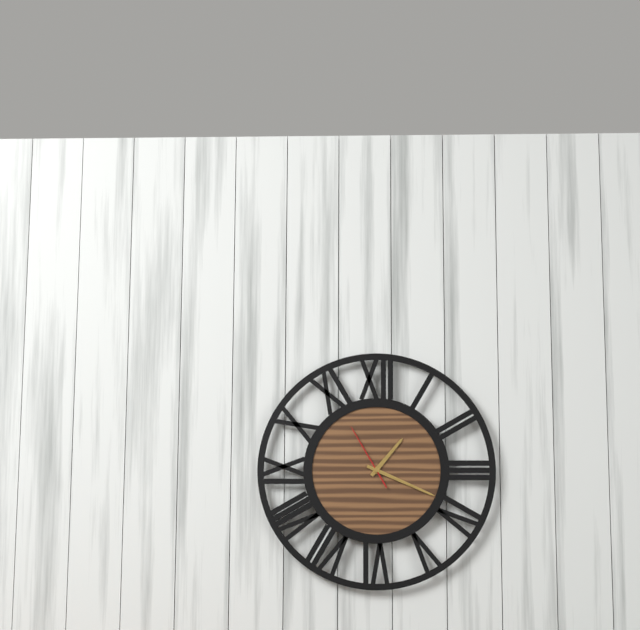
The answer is 1h19m55s
